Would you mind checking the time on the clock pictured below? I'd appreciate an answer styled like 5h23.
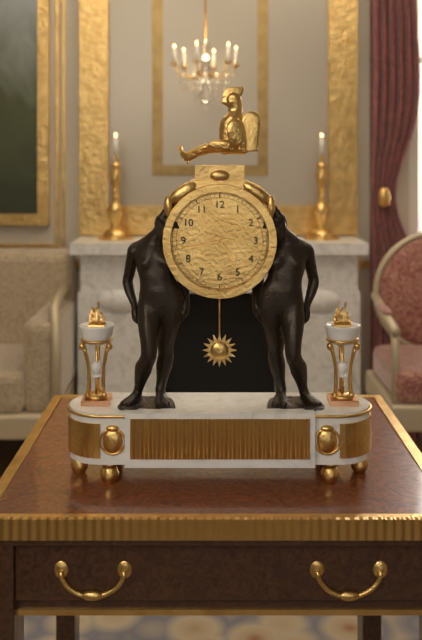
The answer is 4h43
